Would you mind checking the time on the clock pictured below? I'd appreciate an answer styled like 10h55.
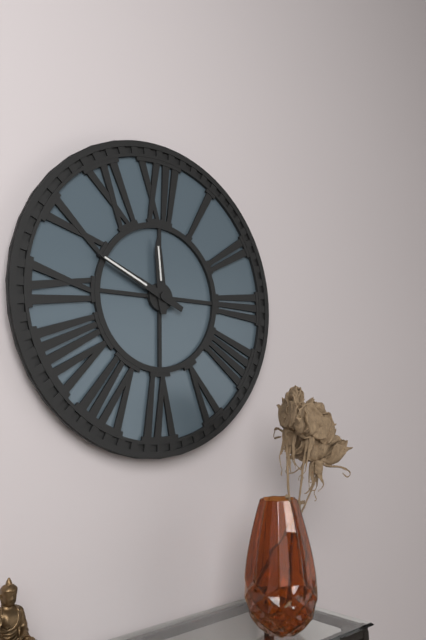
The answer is 11h49
